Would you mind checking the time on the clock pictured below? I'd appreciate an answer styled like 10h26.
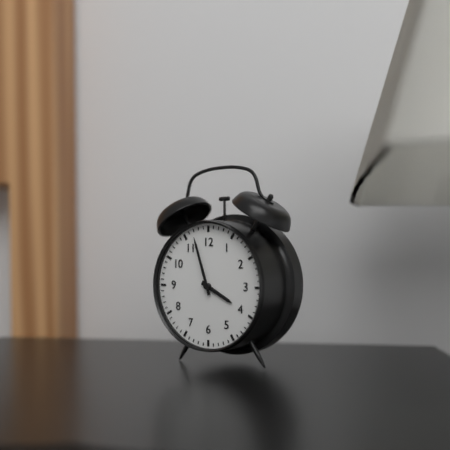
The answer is 3h57
